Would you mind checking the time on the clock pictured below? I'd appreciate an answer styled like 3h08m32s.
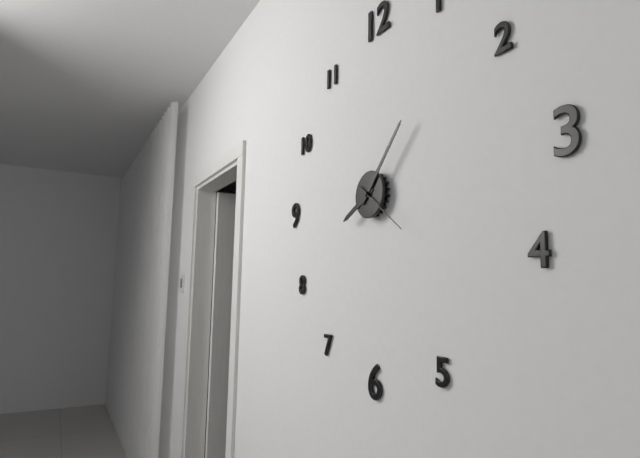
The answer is 8h07m21s
